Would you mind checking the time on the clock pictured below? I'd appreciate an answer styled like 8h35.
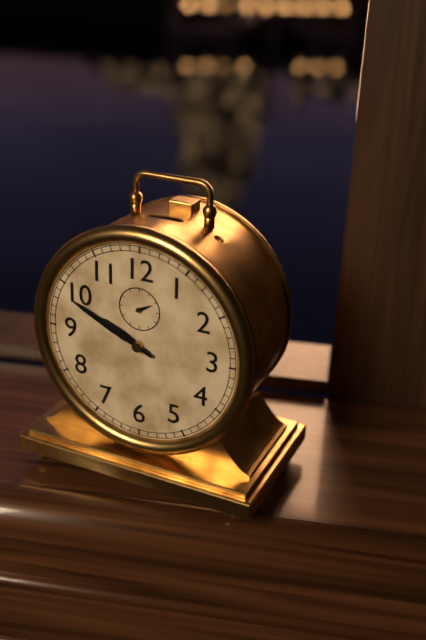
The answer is 9h49
